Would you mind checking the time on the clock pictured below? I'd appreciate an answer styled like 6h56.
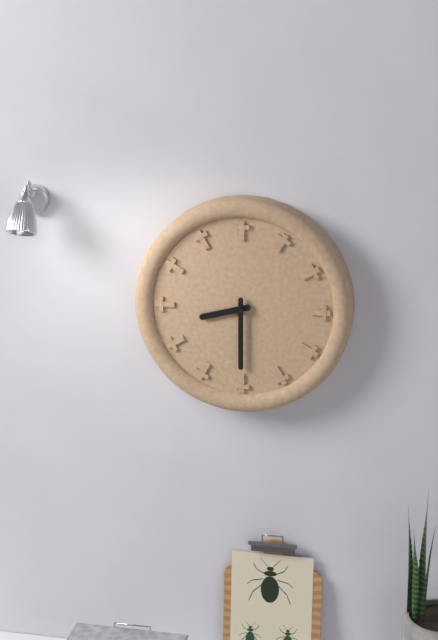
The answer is 8h30
